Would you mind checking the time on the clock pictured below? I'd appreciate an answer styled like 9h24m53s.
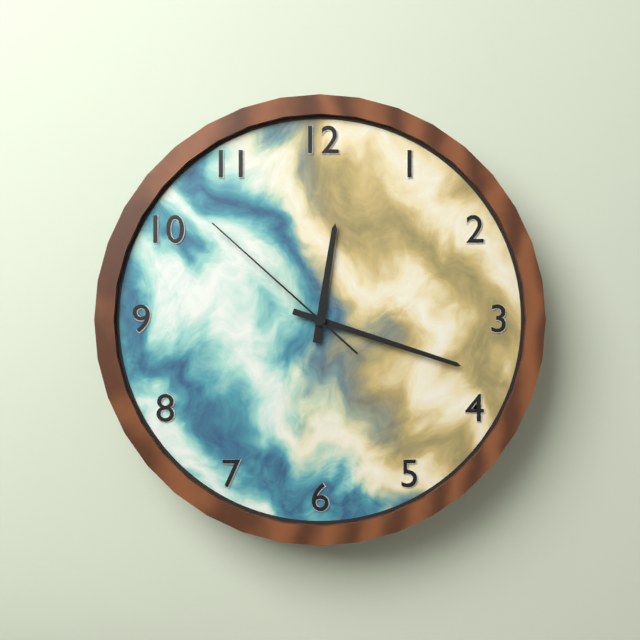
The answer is 12h18m52s
